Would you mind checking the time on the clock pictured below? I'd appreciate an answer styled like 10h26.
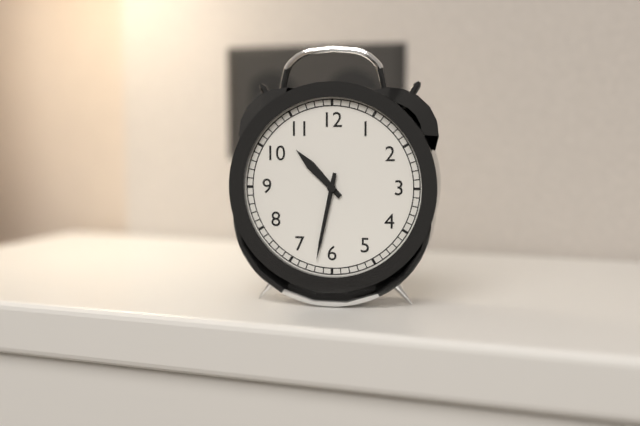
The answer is 10h32
